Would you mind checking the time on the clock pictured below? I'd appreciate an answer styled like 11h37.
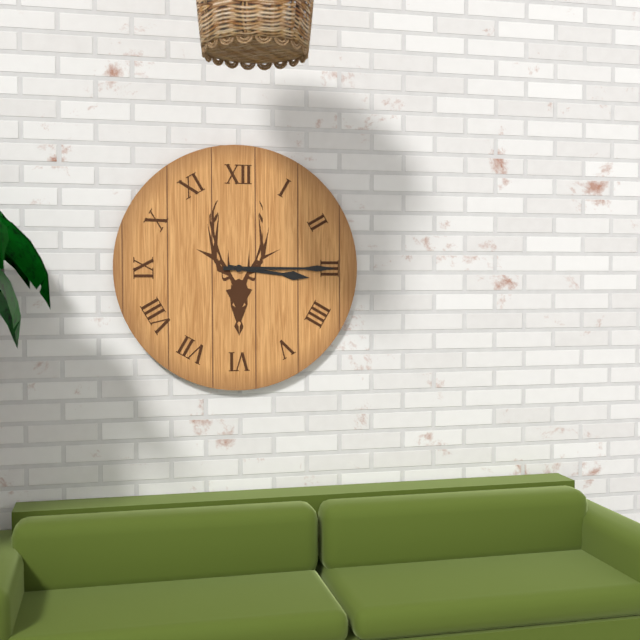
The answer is 3h15
